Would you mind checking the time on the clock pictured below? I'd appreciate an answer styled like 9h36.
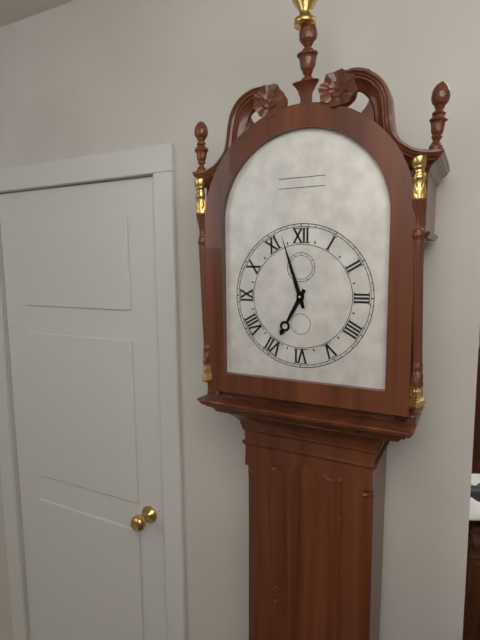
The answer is 6h57
